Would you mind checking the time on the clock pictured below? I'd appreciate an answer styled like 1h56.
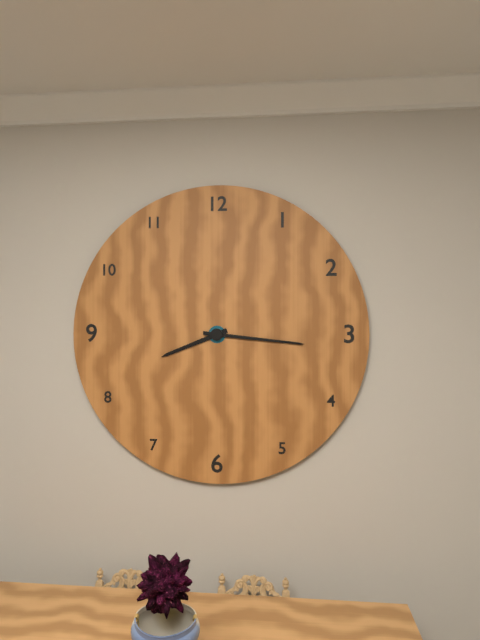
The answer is 8h16
